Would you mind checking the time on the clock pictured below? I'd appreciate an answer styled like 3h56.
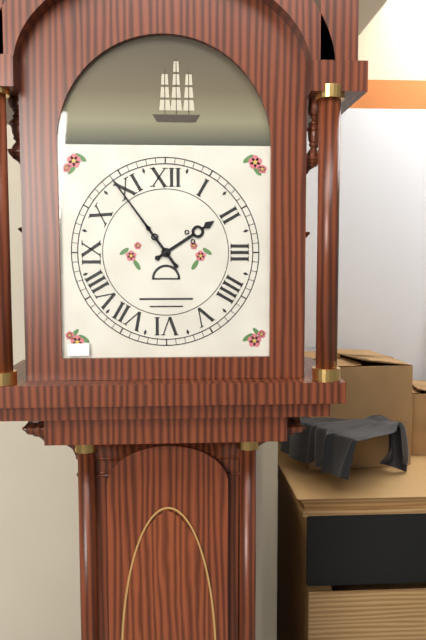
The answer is 1h54
